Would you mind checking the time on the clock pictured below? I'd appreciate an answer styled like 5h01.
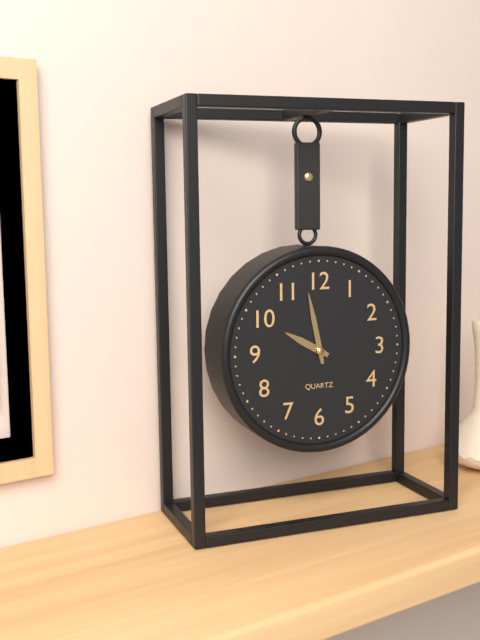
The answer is 9h58
